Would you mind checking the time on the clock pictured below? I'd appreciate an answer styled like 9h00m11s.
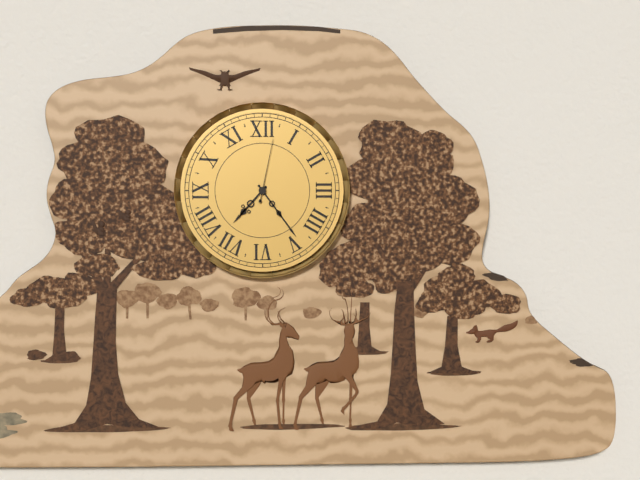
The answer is 7h24m02s
